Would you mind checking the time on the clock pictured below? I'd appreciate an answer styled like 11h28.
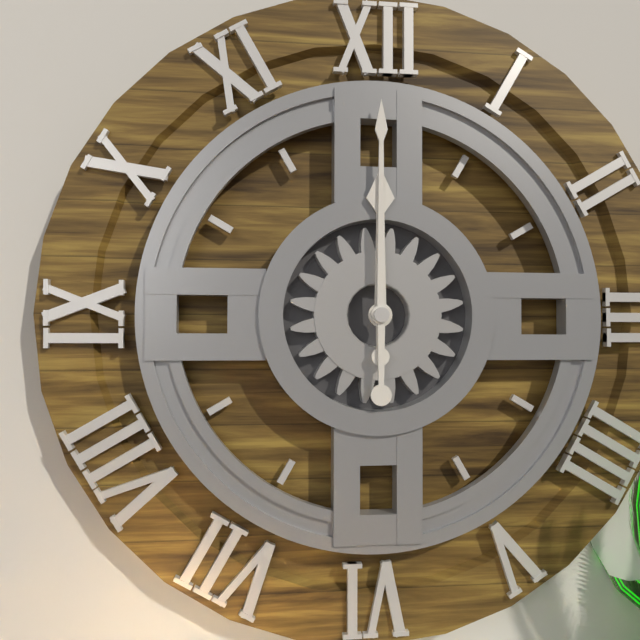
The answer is 12h00
